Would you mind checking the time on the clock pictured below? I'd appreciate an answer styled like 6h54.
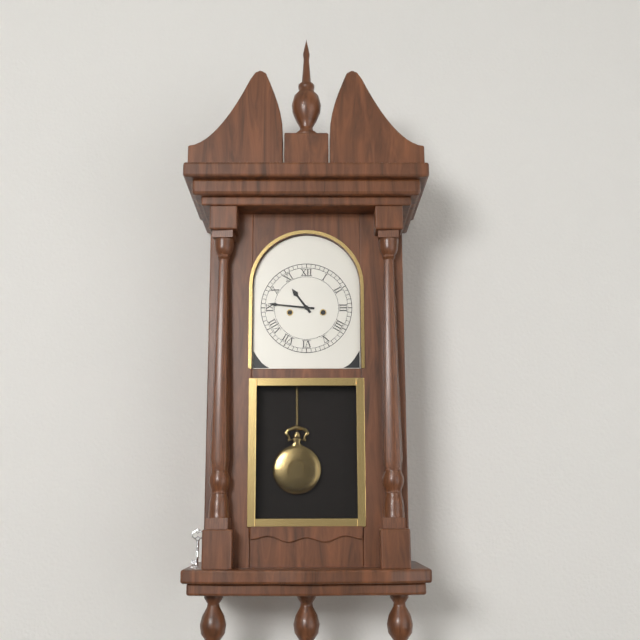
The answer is 10h46
